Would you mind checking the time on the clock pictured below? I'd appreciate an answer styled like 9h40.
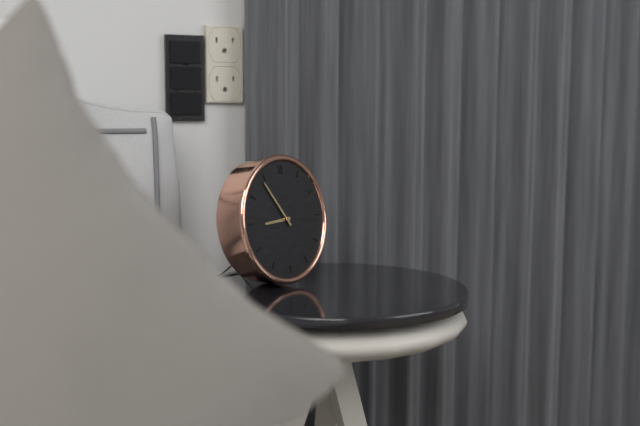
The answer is 8h54
